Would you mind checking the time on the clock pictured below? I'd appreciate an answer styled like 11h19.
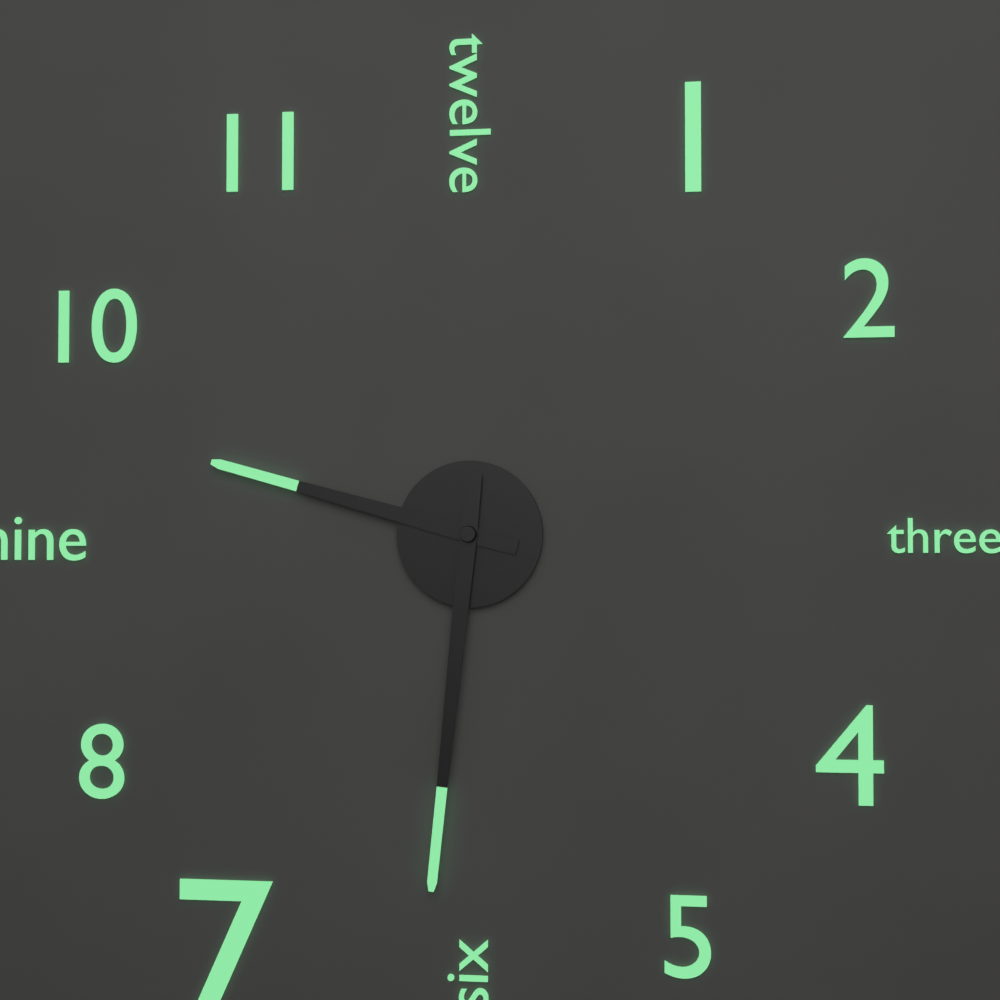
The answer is 9h31
